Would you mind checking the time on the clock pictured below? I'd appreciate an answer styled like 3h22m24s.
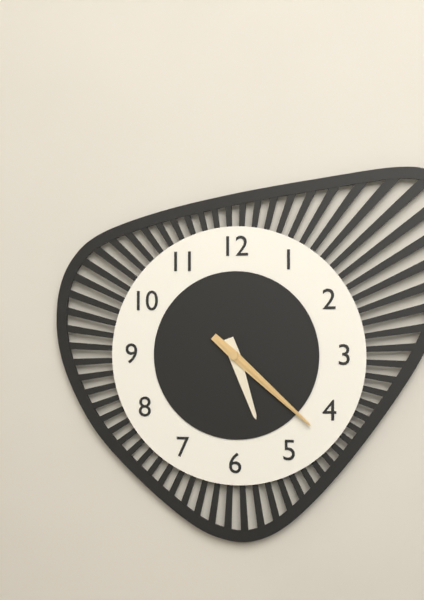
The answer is 5h22m22s
